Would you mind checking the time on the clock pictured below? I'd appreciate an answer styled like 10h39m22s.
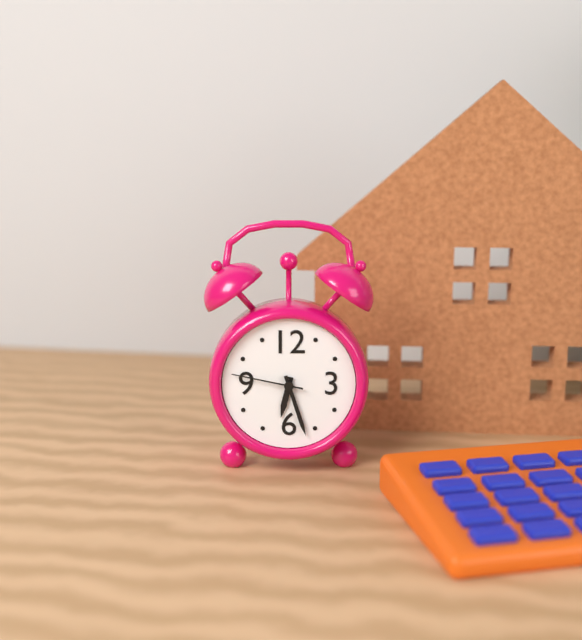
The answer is 6h27m47s
